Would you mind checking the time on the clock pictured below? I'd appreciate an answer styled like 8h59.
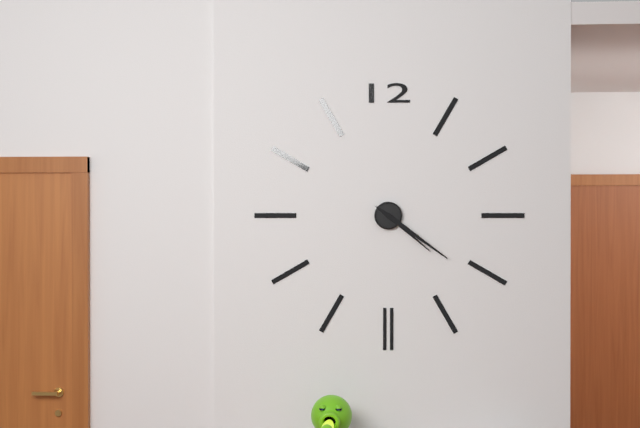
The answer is 4h21
